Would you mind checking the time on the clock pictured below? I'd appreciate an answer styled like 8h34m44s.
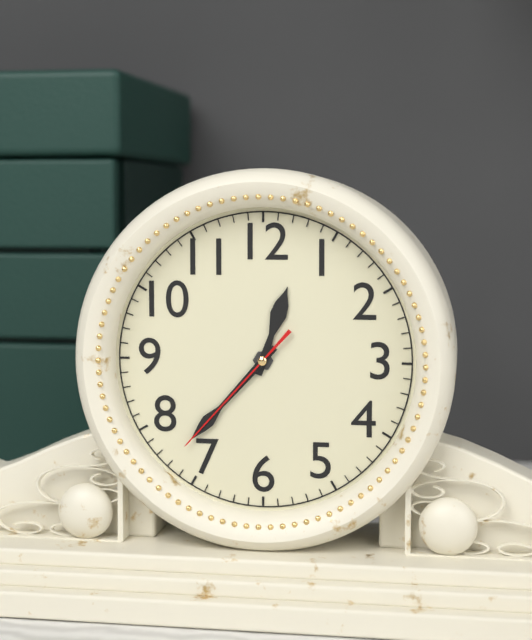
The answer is 12h37m37s
